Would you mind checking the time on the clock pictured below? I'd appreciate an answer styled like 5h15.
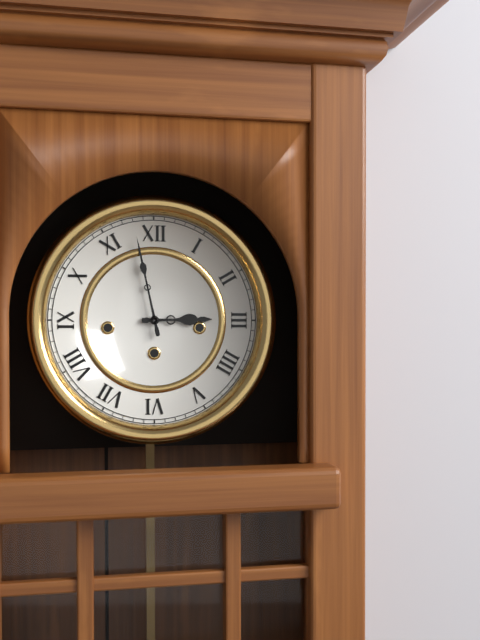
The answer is 2h58
